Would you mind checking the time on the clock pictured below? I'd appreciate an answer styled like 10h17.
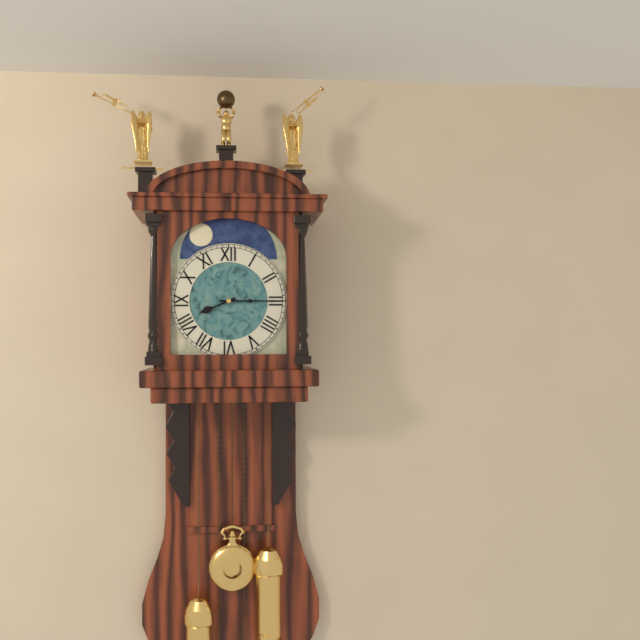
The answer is 8h15
